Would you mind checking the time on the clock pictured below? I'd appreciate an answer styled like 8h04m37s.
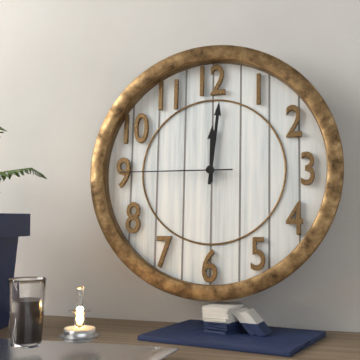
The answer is 12h01m45s
